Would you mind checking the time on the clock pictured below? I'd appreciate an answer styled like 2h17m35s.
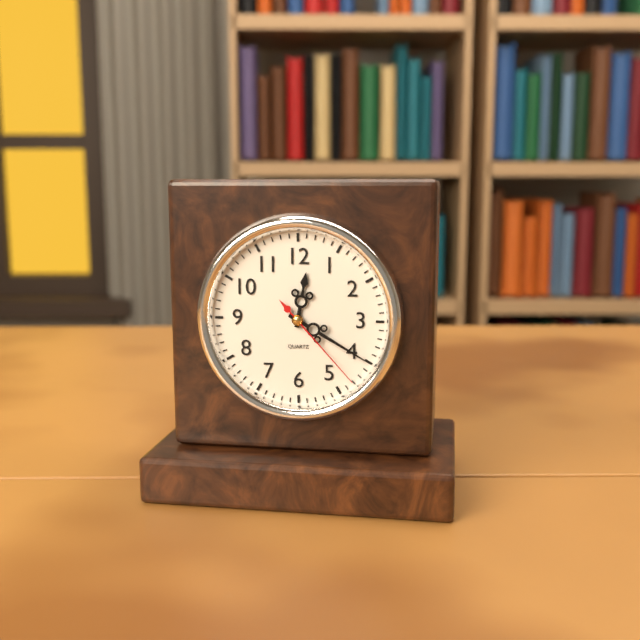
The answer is 12h20m23s
